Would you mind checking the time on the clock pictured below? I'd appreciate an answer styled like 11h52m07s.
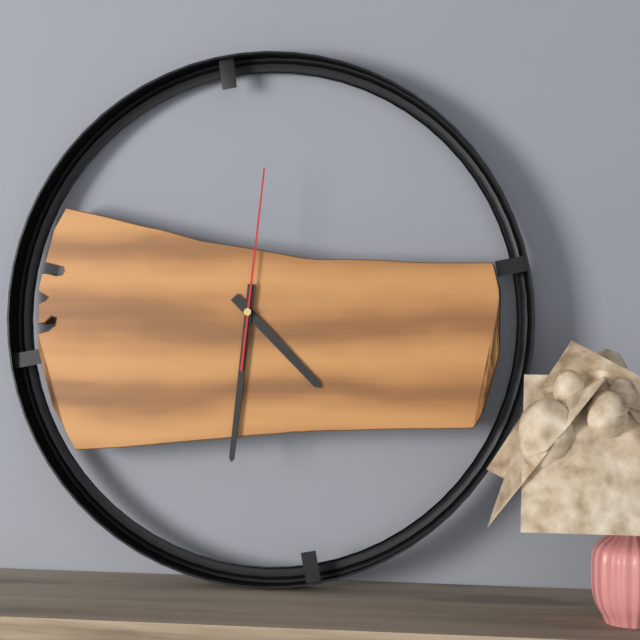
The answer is 4h31m01s
